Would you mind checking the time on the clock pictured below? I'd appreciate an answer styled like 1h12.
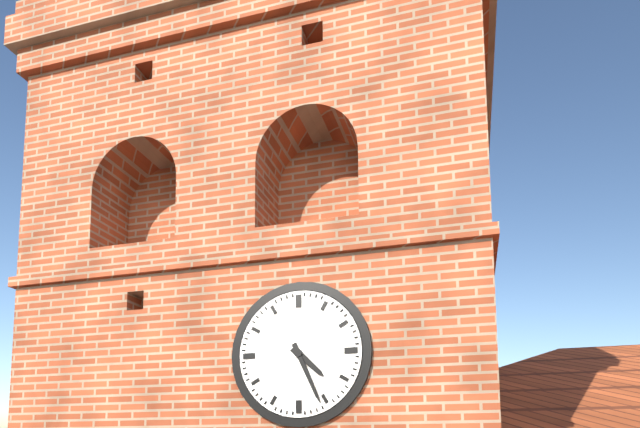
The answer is 4h26
